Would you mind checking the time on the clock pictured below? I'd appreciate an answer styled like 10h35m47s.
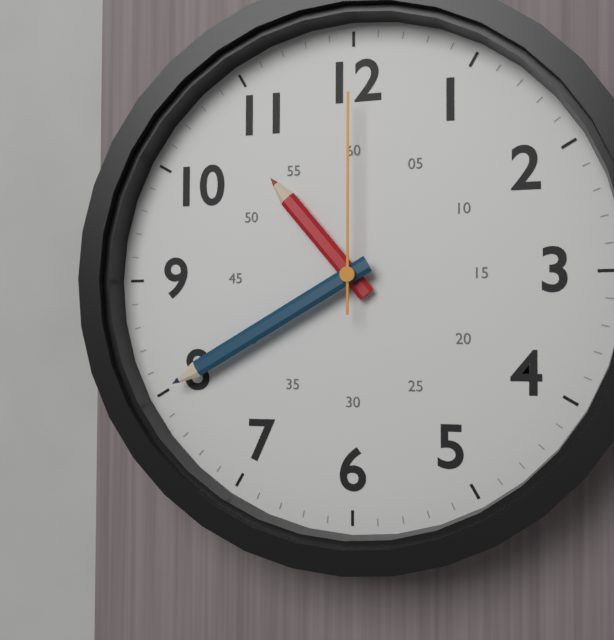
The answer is 10h40m00s
